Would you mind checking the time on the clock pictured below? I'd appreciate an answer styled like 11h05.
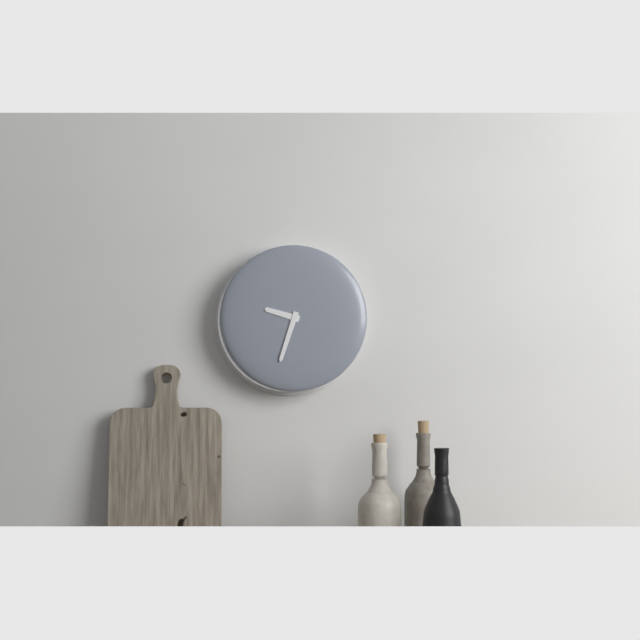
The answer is 9h33
